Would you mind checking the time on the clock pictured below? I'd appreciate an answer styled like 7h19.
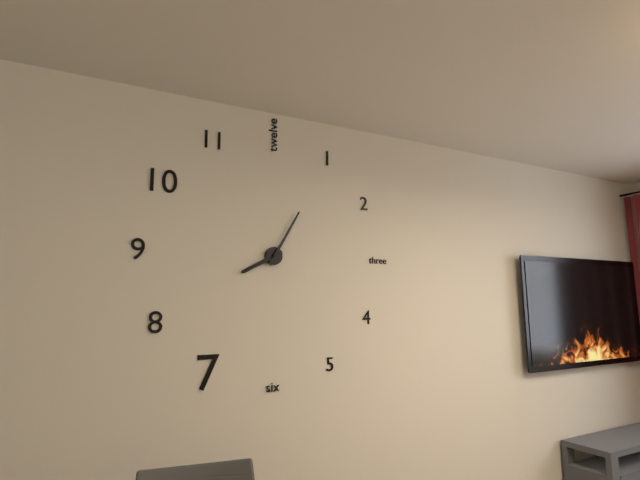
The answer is 8h05
